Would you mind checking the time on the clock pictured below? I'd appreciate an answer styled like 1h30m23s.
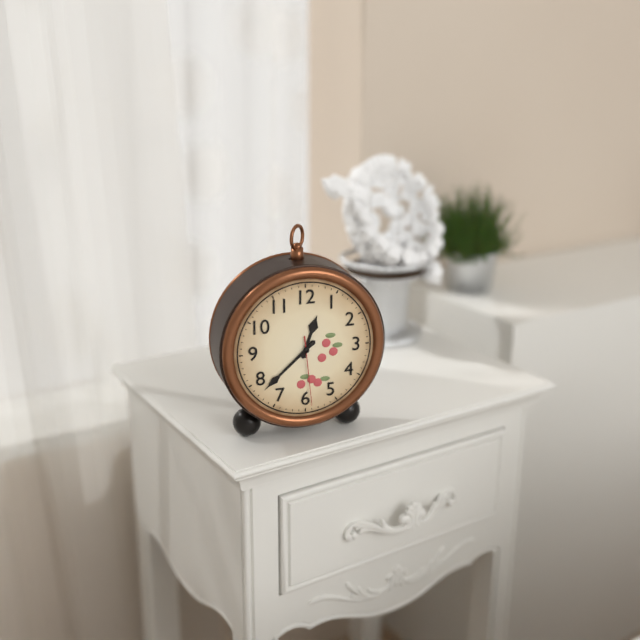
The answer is 12h38m29s
